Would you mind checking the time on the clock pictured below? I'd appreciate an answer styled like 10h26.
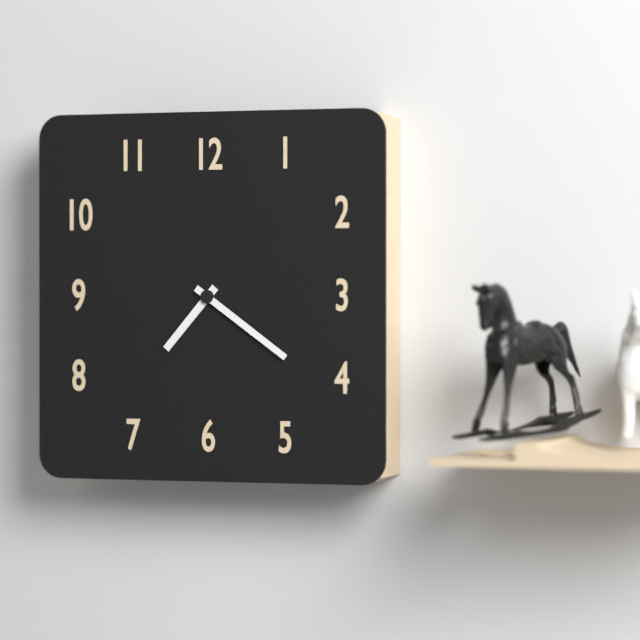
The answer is 7h21
